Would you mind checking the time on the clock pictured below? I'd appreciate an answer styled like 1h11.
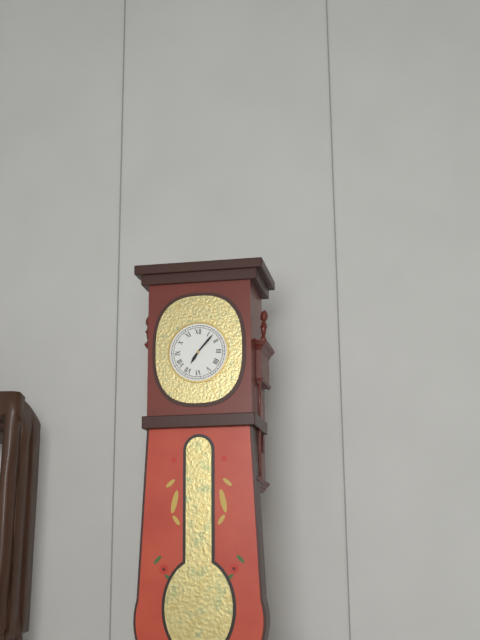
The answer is 7h07
